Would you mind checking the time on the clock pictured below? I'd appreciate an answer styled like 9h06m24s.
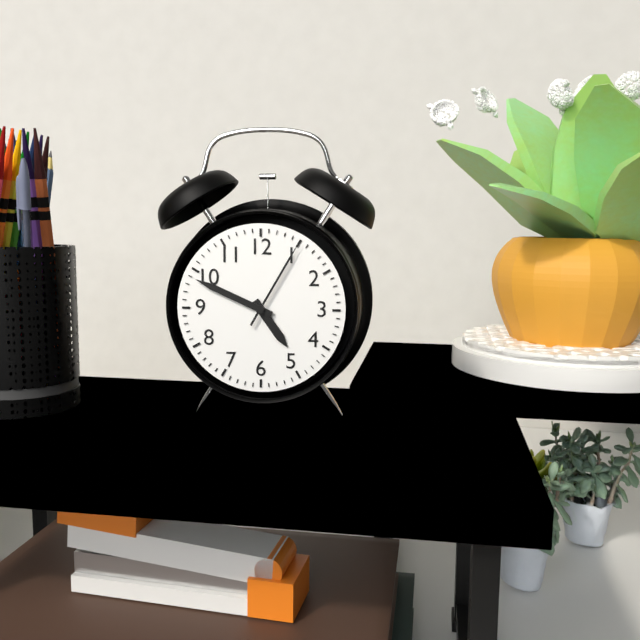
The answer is 4h49m05s
